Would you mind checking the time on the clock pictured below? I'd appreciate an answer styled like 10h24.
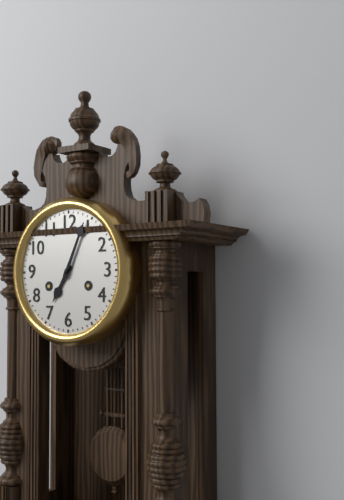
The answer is 7h04
